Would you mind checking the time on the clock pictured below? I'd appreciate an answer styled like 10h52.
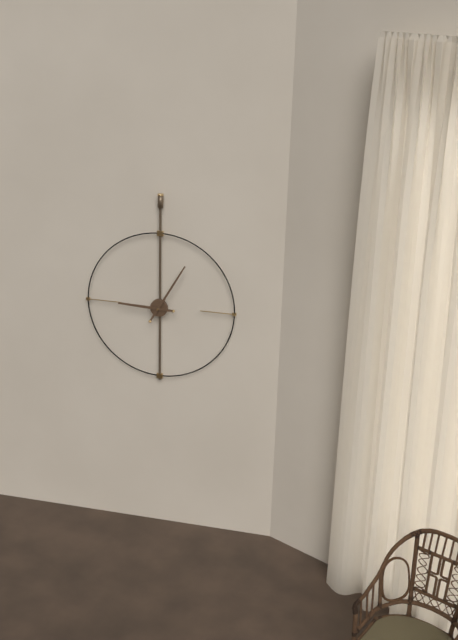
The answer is 9h05
